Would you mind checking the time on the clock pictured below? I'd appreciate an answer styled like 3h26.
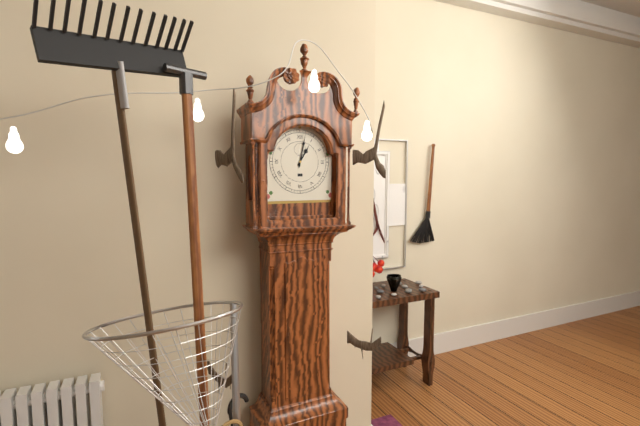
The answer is 1h02
